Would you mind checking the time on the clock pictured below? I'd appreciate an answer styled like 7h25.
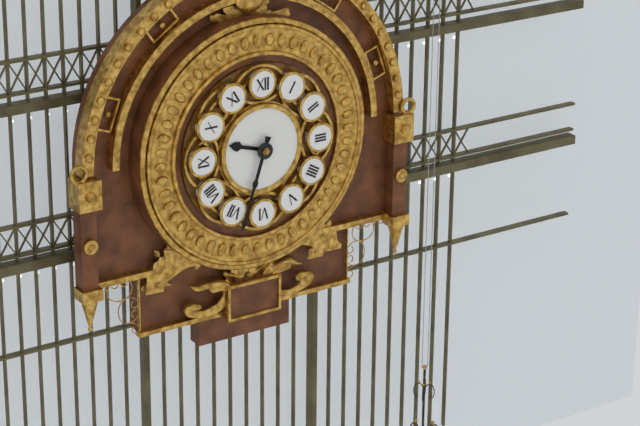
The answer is 9h33
